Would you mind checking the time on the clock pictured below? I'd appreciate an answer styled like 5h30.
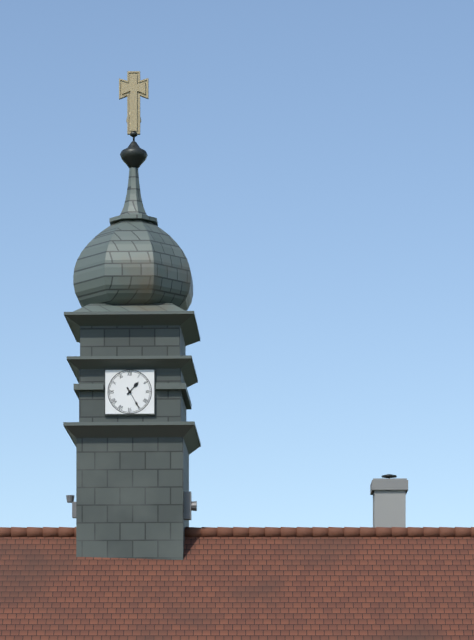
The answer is 1h25
